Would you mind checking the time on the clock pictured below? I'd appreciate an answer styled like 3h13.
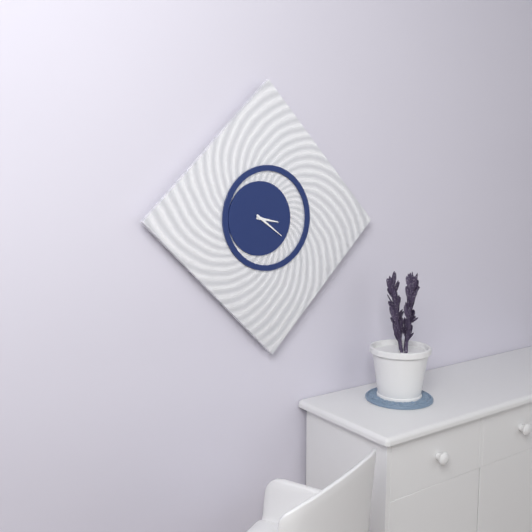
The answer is 3h21
